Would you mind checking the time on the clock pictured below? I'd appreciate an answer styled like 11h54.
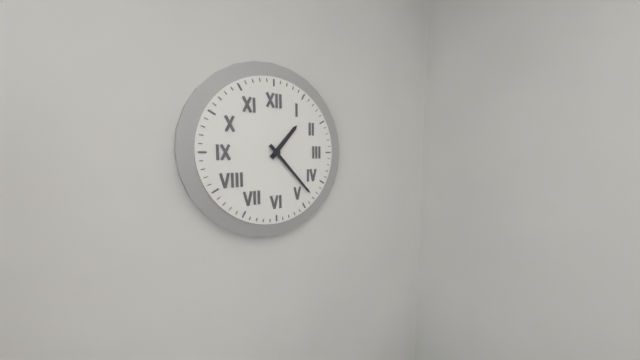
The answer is 1h23
